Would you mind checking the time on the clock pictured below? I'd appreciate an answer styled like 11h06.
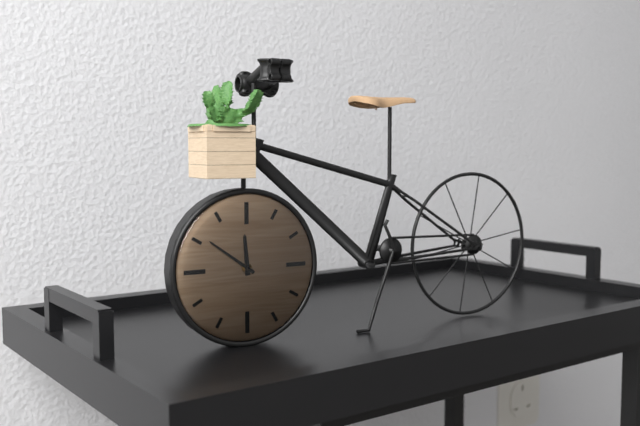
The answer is 11h51
